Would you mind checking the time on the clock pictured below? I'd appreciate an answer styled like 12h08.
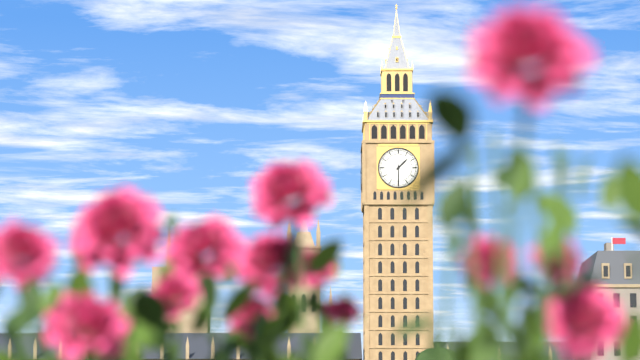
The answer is 1h30
